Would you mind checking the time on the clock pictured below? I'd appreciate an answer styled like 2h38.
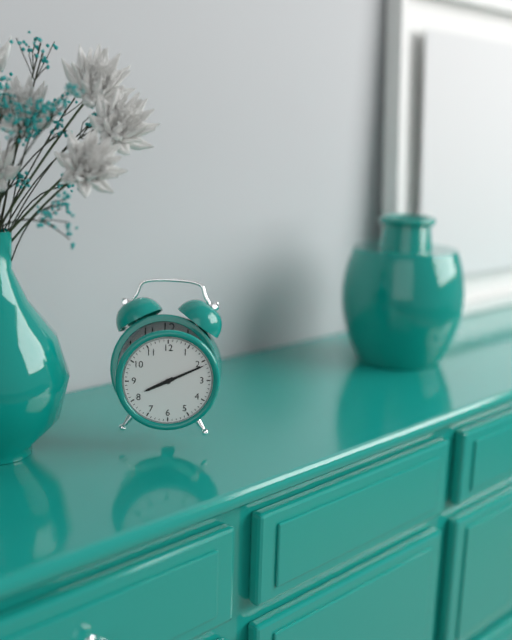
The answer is 8h11
